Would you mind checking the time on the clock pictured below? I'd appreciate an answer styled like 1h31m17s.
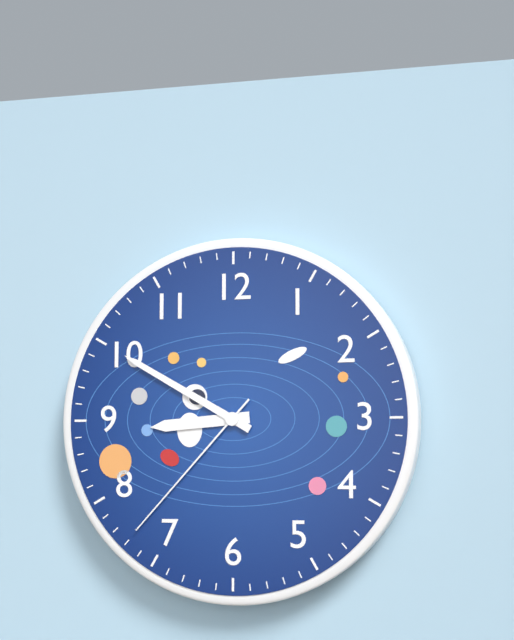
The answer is 8h50m37s
